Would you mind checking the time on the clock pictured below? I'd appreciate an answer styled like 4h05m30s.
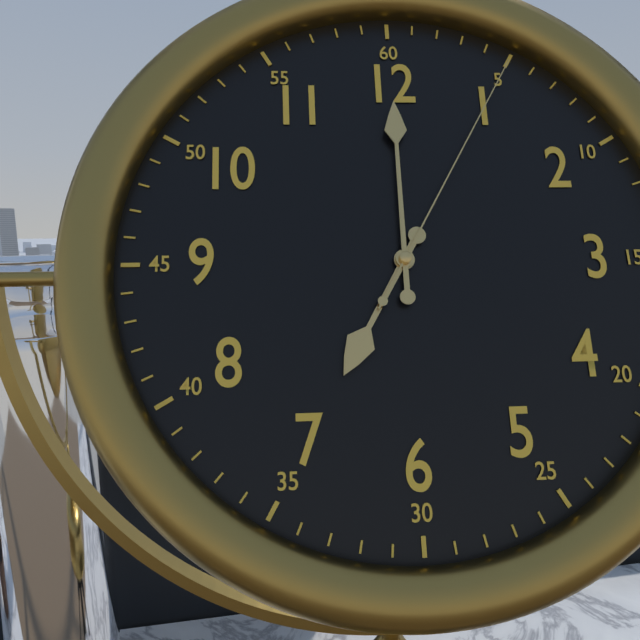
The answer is 7h00m05s
